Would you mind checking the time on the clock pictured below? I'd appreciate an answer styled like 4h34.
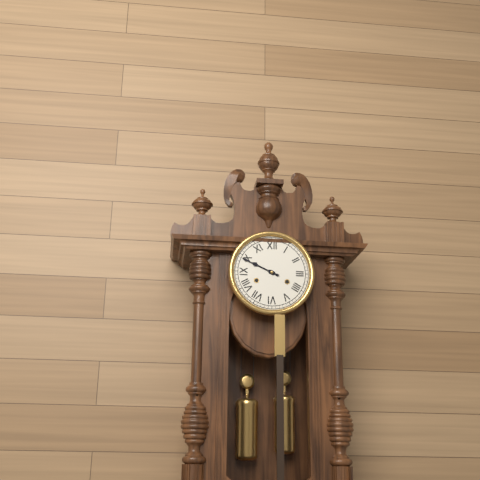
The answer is 9h49
